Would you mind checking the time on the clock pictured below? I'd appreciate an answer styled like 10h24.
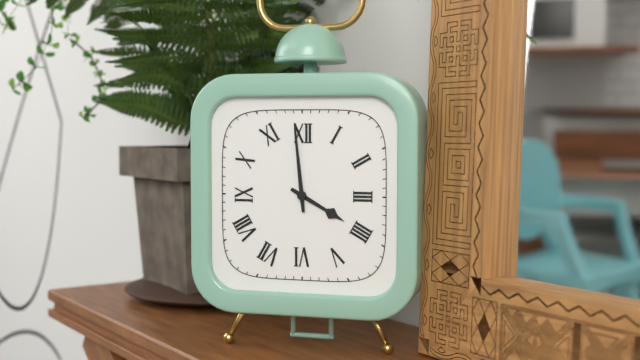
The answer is 3h59
